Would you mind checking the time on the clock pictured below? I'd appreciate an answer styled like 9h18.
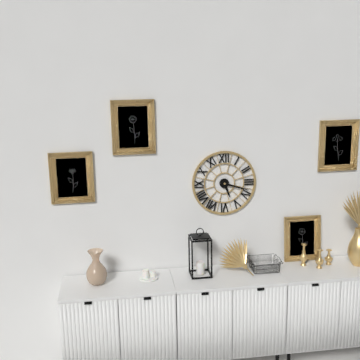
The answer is 5h18
